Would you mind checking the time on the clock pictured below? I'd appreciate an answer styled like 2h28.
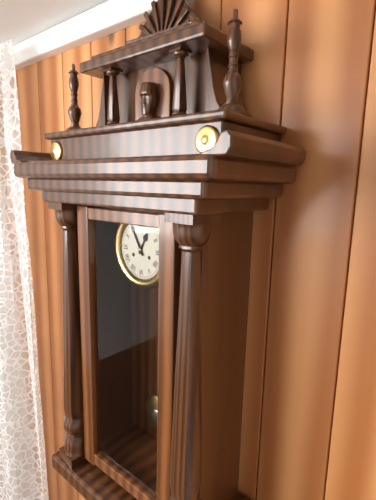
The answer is 12h55
